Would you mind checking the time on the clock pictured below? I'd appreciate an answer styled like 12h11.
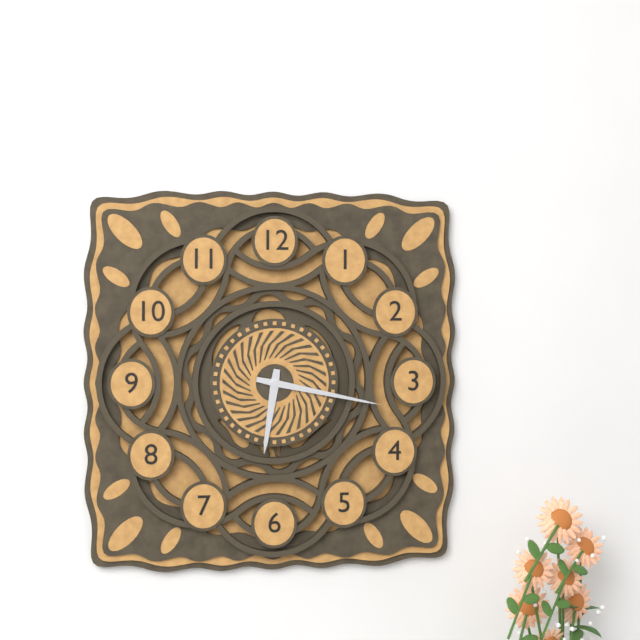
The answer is 6h17
